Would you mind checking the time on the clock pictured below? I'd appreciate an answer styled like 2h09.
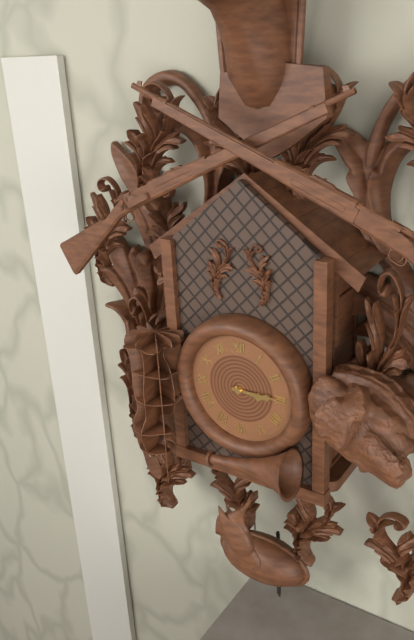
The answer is 3h15
